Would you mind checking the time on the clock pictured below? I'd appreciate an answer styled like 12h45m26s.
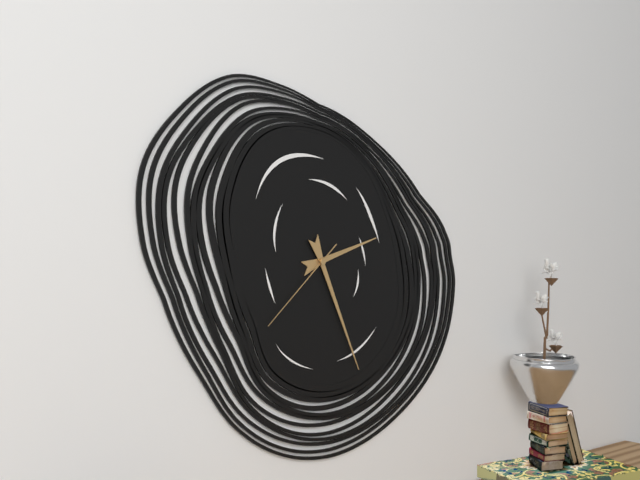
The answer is 2h26m38s
